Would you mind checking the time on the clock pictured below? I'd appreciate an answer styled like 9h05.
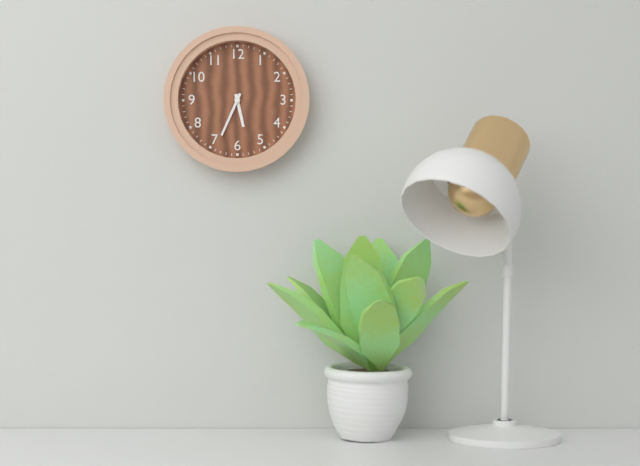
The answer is 5h34
